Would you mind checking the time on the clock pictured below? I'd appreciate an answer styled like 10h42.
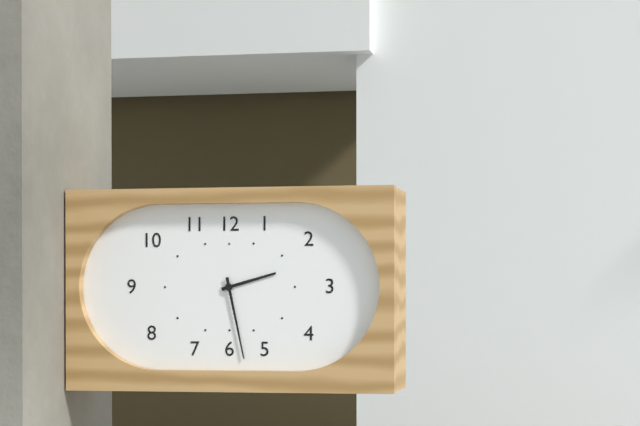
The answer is 2h28
